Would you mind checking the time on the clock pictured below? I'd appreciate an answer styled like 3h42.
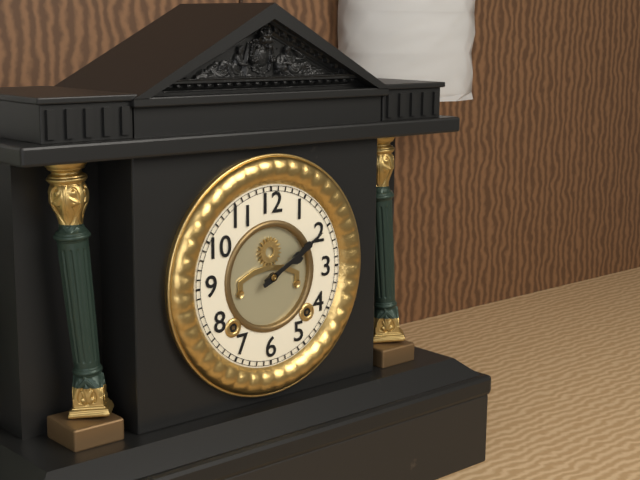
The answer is 2h10
